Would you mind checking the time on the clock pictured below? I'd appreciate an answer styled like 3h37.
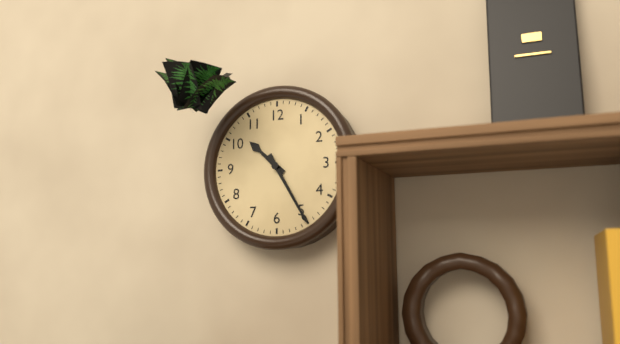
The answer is 10h25
